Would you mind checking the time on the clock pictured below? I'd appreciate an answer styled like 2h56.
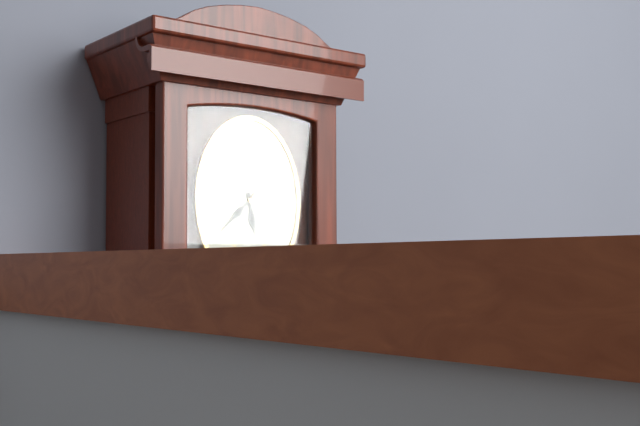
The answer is 5h38
